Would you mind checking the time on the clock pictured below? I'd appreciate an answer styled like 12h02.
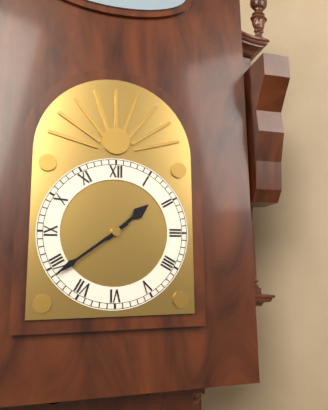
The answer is 1h39
